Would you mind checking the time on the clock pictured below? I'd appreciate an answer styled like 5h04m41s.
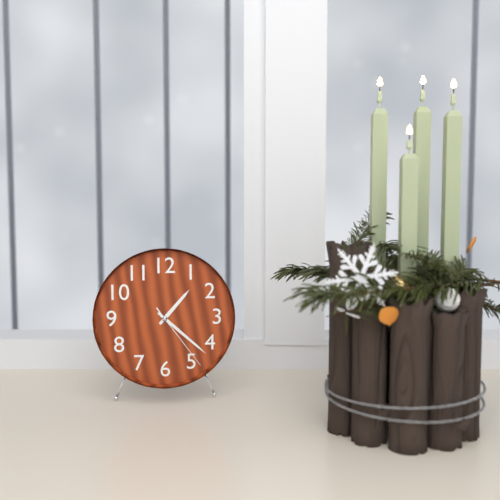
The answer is 1h22m24s
